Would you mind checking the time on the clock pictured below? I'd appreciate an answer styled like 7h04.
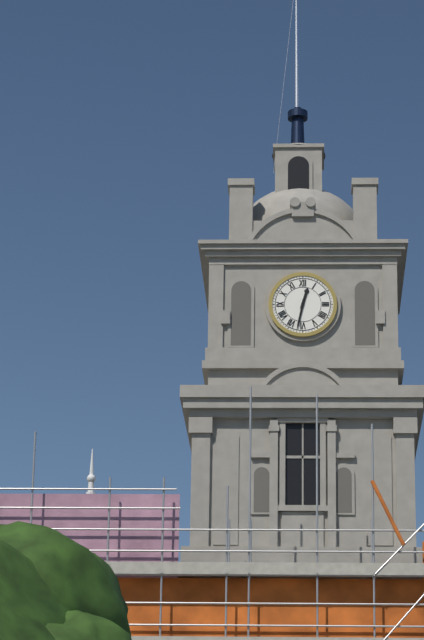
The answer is 12h32
